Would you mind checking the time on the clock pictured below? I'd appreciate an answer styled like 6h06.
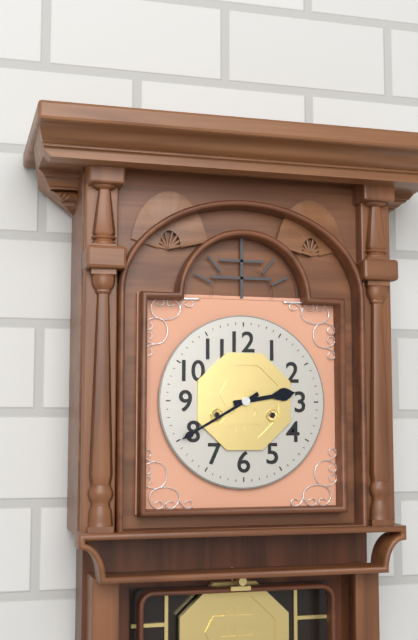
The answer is 2h40
